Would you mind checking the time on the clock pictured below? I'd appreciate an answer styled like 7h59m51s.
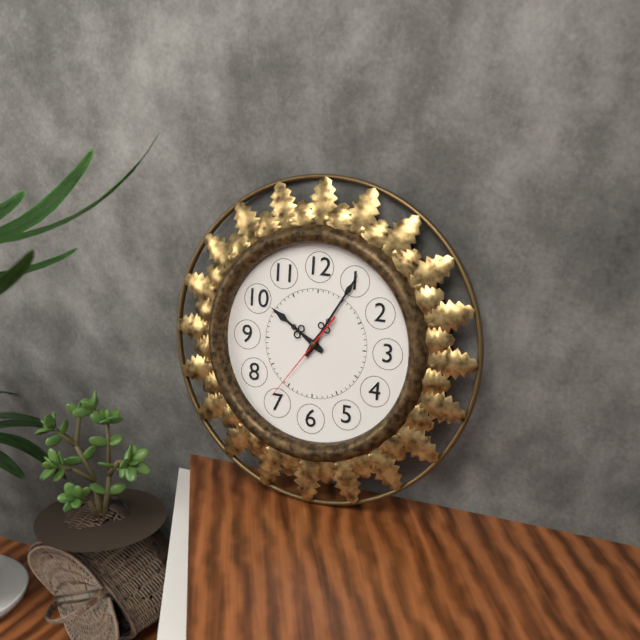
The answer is 10h05m36s
